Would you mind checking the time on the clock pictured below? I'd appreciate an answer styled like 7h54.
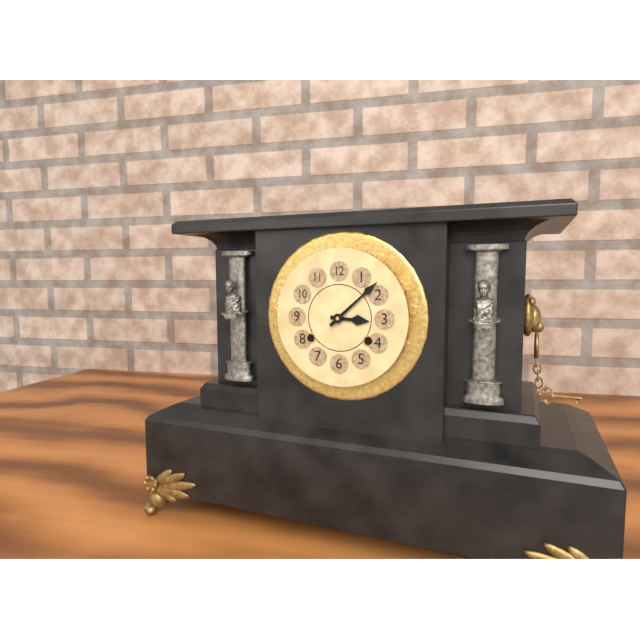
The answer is 3h08
